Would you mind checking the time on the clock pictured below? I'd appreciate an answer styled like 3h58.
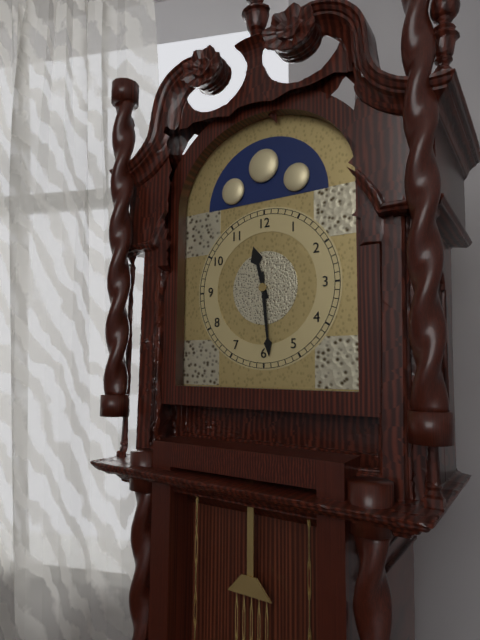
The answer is 11h29
